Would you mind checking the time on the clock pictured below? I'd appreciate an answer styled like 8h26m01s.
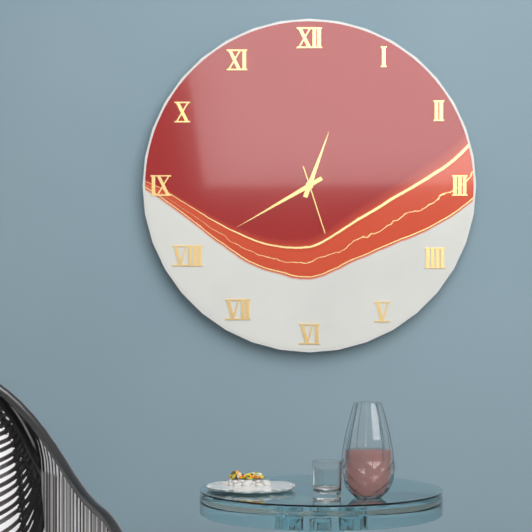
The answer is 12h40m27s
